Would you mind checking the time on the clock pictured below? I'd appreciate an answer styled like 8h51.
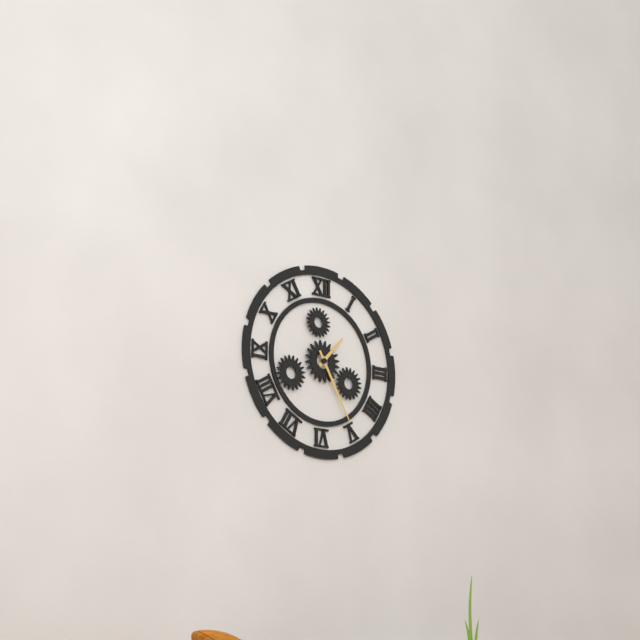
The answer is 1h25
